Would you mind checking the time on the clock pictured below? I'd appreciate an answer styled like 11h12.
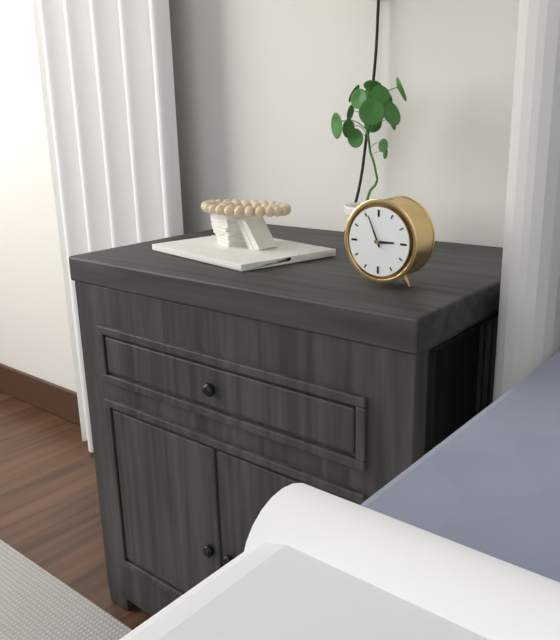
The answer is 2h56
